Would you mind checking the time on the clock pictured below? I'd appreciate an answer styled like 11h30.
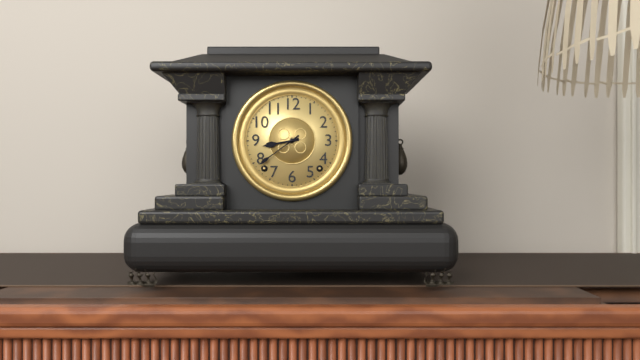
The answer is 8h39
